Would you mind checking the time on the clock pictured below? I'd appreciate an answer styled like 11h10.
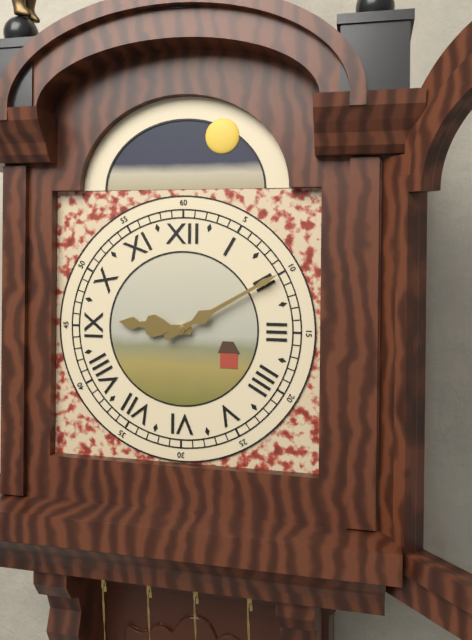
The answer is 9h10
